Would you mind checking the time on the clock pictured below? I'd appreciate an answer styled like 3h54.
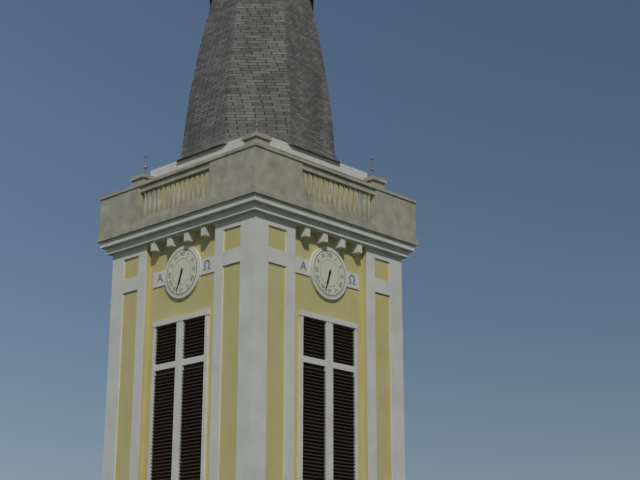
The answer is 6h33
